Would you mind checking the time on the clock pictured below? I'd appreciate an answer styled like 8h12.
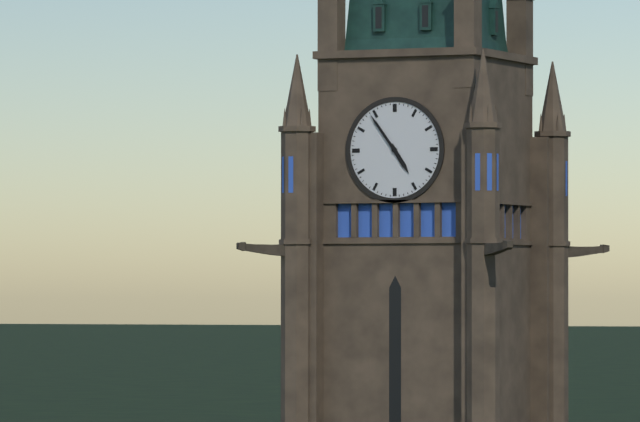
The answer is 4h54
